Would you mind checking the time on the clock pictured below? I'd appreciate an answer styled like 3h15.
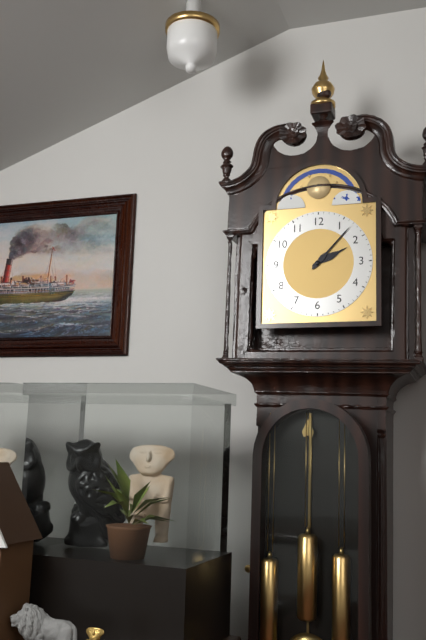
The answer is 2h07
